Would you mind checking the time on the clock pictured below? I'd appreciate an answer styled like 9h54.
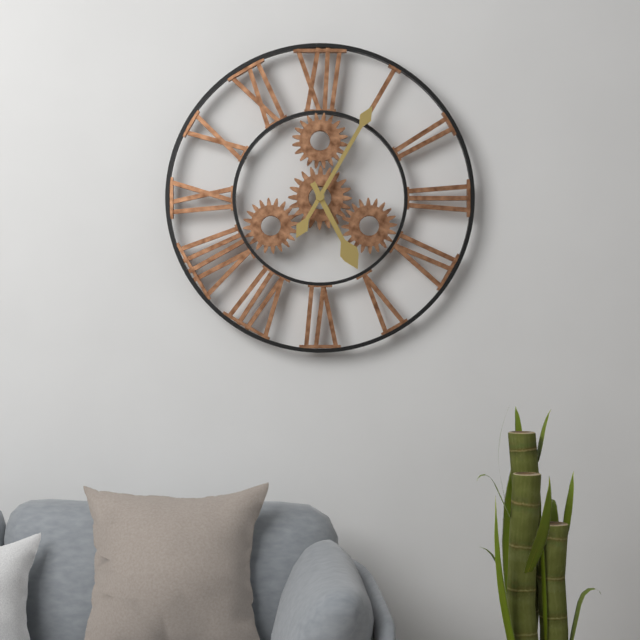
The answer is 5h05
